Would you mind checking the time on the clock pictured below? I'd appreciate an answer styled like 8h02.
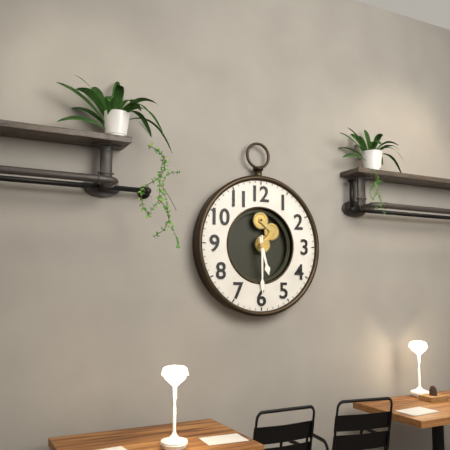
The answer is 5h30
